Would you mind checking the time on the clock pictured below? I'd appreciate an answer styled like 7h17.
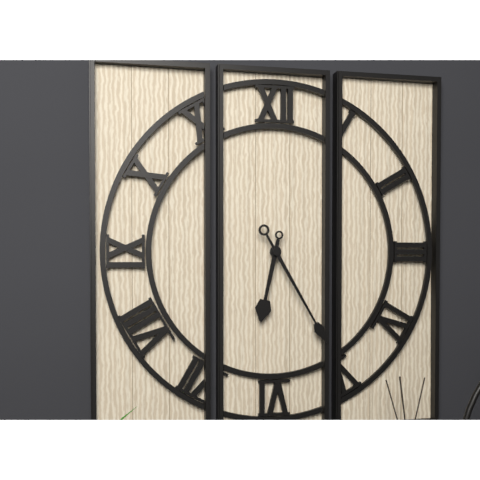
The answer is 6h25
